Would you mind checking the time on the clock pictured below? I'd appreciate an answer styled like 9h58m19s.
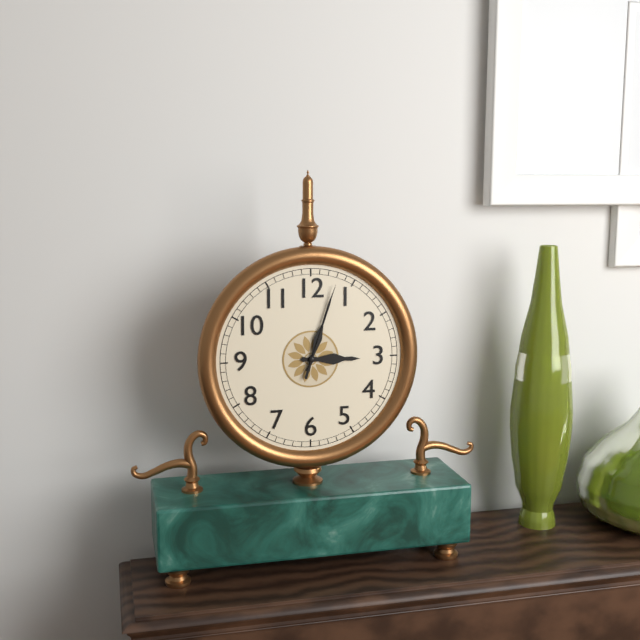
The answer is 3h03m03s
